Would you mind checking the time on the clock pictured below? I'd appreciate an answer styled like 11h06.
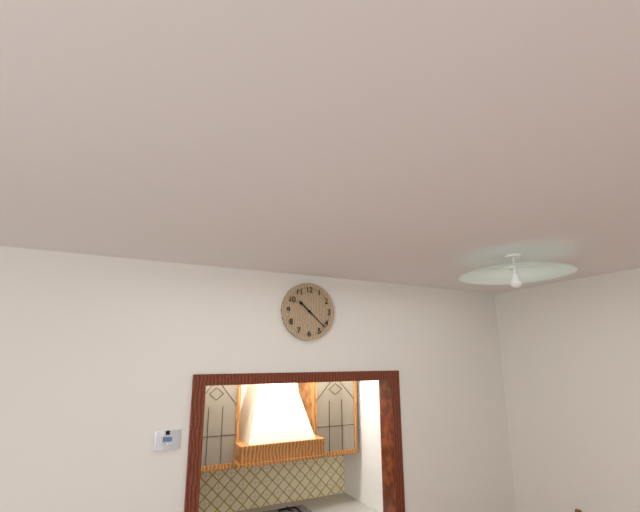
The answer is 10h22
